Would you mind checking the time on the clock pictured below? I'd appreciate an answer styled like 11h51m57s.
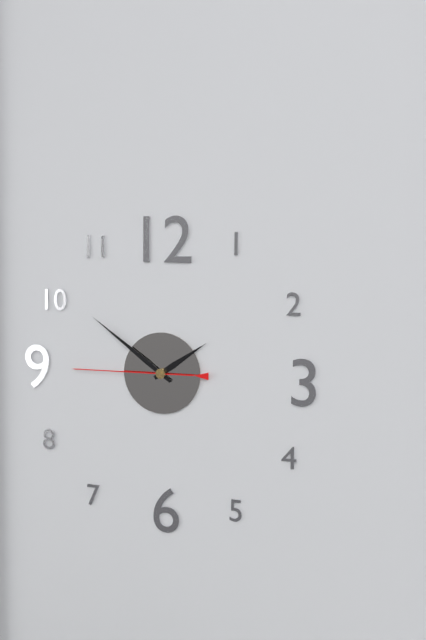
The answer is 1h51m45s
